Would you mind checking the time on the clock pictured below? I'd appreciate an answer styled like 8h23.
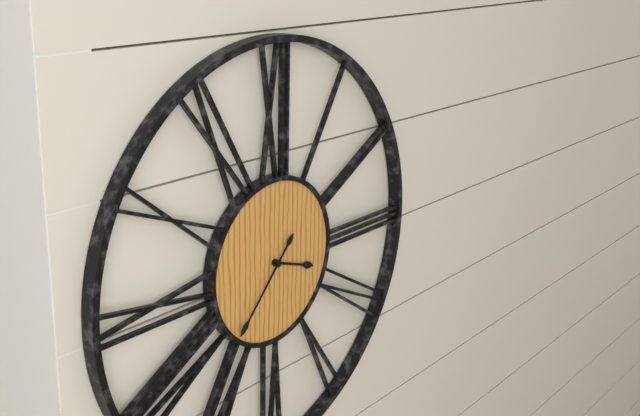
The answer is 3h37
